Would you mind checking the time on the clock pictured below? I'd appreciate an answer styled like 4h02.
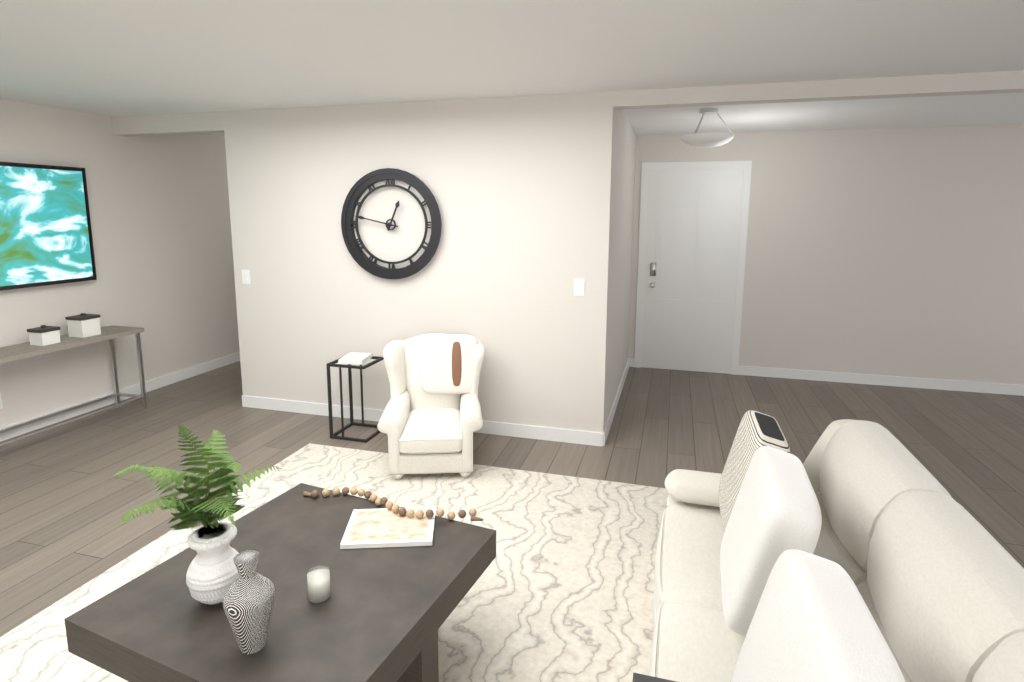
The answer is 12h47
